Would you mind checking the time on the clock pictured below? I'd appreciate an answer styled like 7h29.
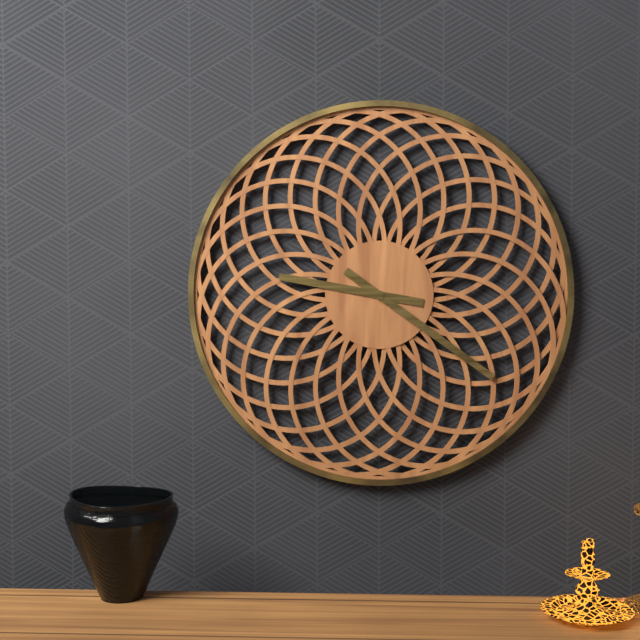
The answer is 9h21
